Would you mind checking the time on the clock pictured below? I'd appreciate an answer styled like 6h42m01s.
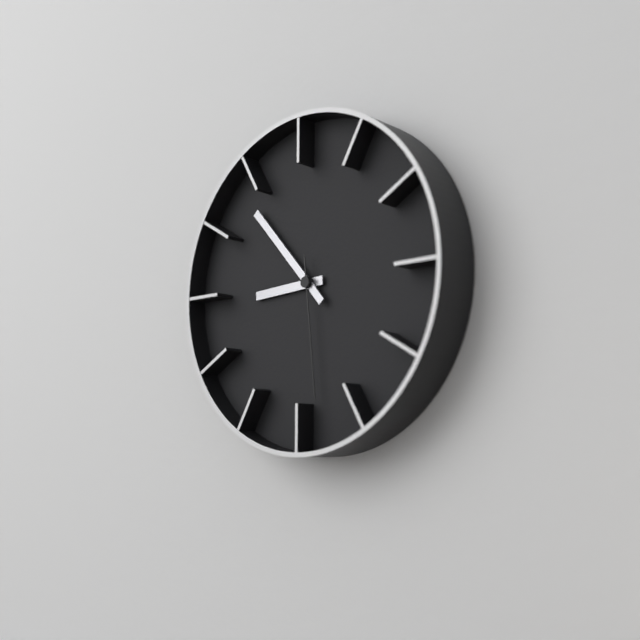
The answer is 8h53m29s
